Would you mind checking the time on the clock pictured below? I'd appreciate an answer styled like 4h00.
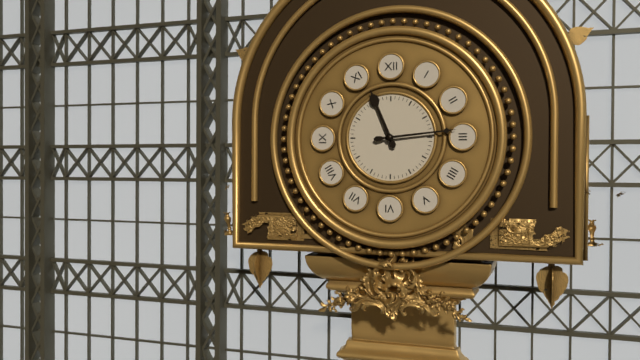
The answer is 11h14
